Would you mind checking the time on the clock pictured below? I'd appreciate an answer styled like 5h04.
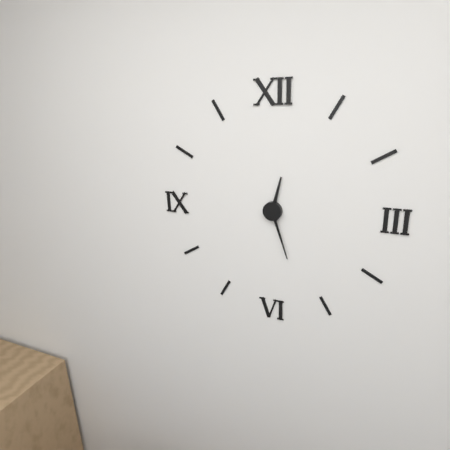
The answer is 12h27
